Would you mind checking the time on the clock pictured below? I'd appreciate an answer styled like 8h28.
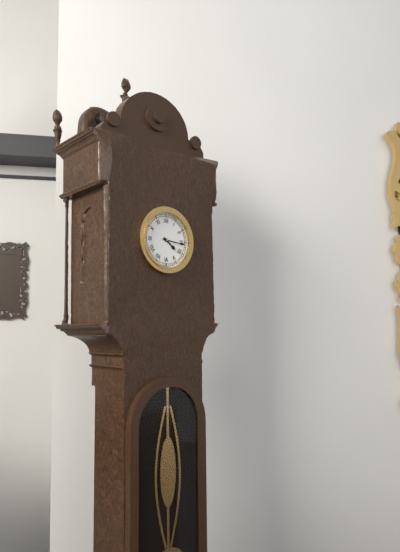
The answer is 4h16
